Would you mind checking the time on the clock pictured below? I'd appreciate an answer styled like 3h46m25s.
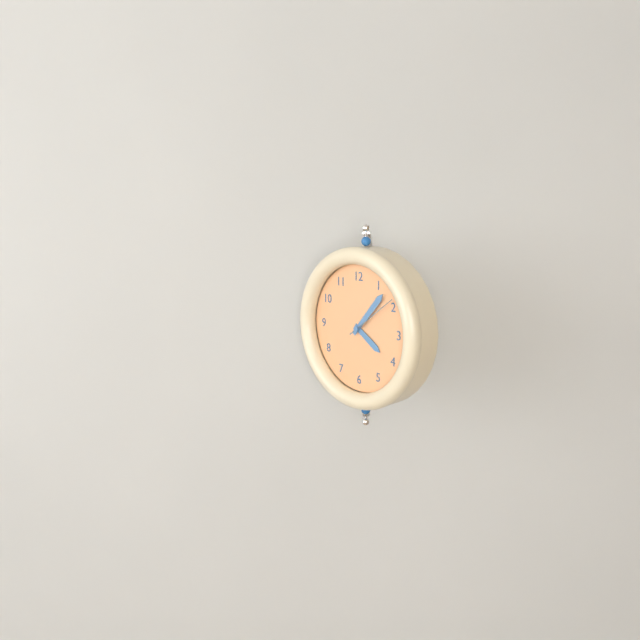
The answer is 4h07m09s
